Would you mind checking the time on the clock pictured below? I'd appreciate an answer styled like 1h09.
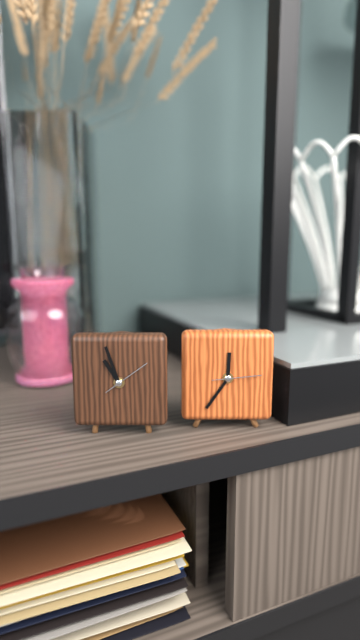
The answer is 10h57
